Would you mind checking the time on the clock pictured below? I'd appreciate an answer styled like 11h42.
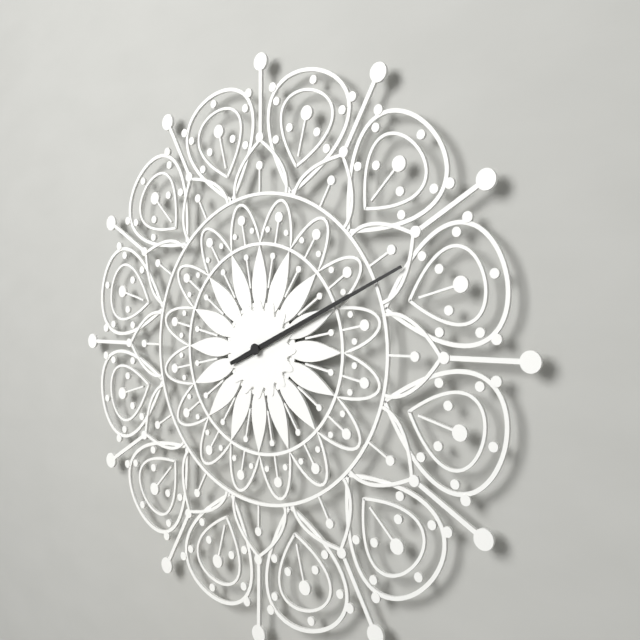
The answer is 2h11
